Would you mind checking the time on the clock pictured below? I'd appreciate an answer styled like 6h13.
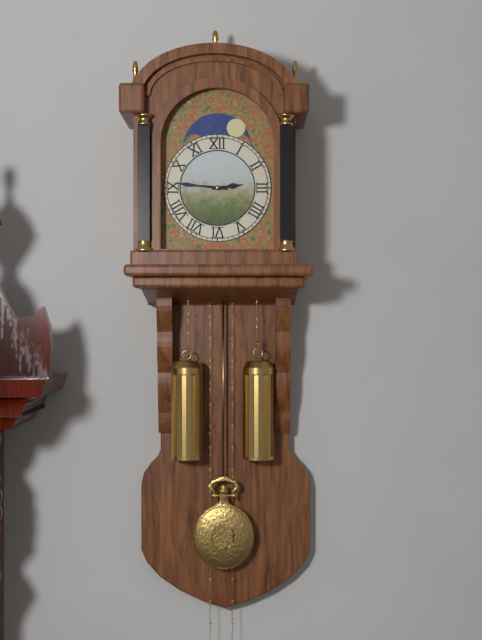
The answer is 2h46
